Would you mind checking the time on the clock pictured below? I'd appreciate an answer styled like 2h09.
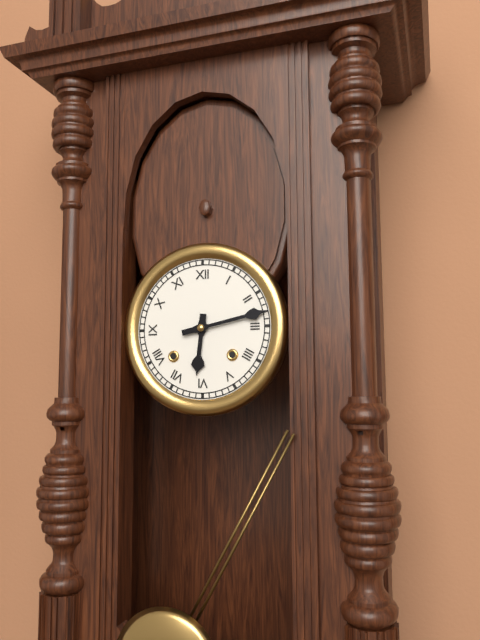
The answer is 6h13
